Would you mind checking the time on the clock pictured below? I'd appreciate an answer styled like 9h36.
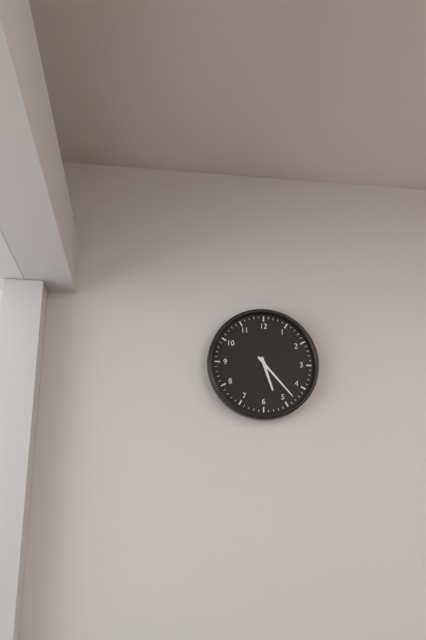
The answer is 5h23
